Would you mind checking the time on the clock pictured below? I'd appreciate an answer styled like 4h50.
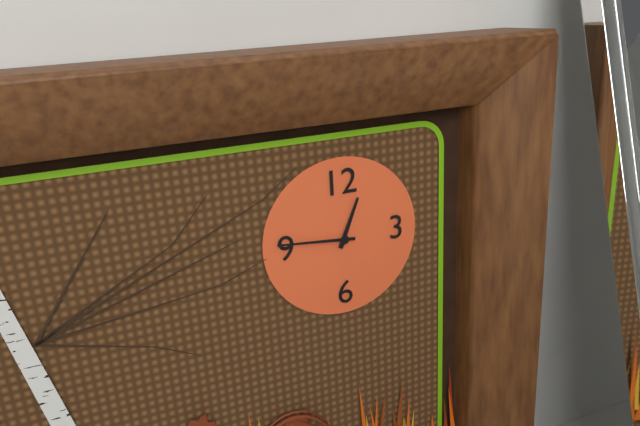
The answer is 12h46
